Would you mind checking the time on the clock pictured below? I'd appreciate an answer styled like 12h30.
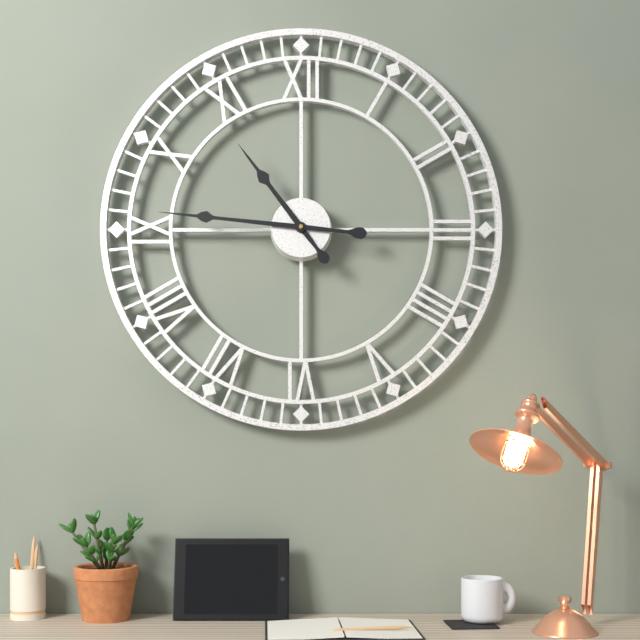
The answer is 10h46
